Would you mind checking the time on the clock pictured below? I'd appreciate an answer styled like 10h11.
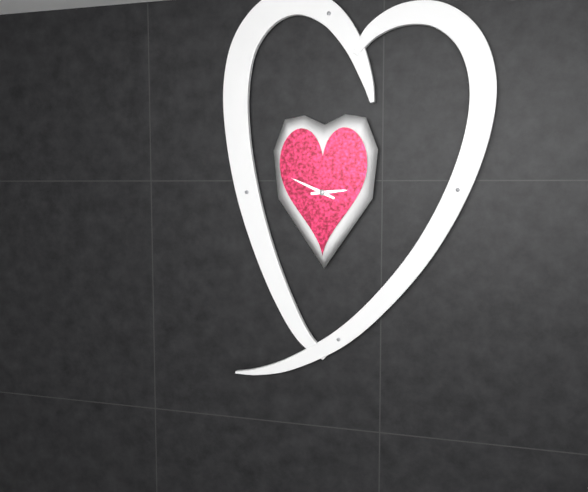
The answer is 2h49
